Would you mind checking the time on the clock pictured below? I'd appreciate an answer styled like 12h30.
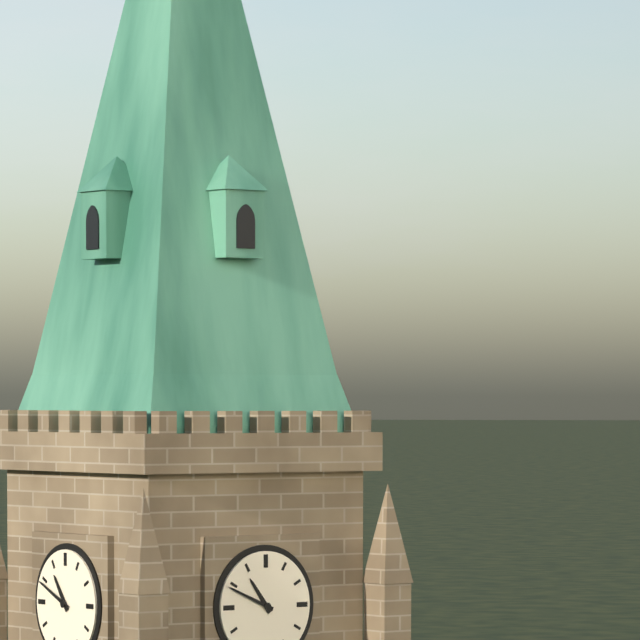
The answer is 10h49
